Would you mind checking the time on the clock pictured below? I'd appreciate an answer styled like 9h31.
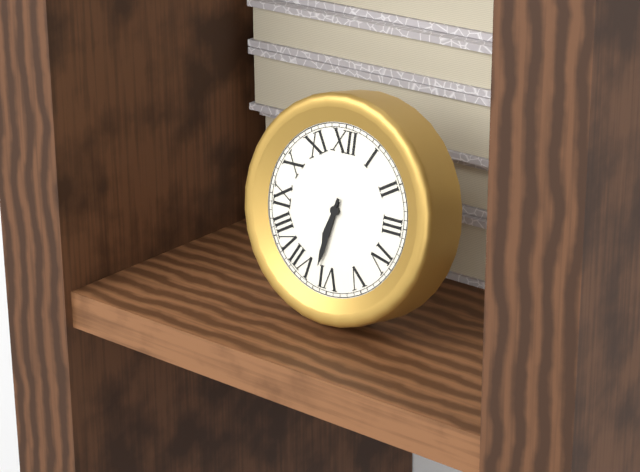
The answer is 6h32
